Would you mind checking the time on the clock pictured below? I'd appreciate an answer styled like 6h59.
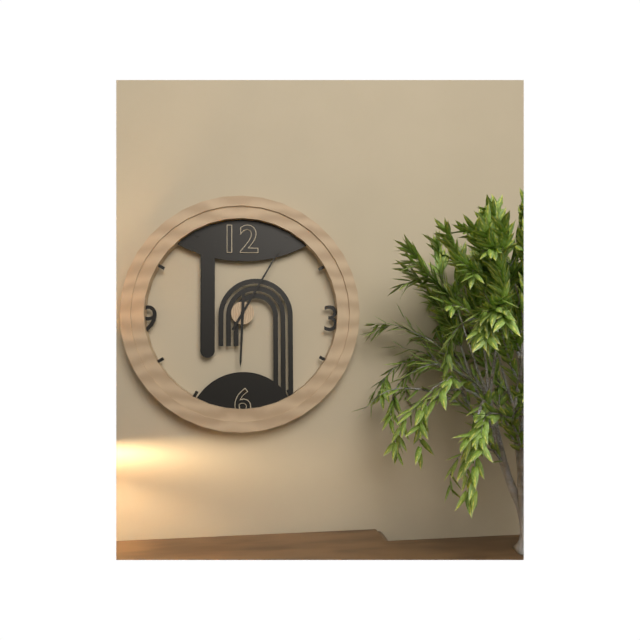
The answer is 6h05
